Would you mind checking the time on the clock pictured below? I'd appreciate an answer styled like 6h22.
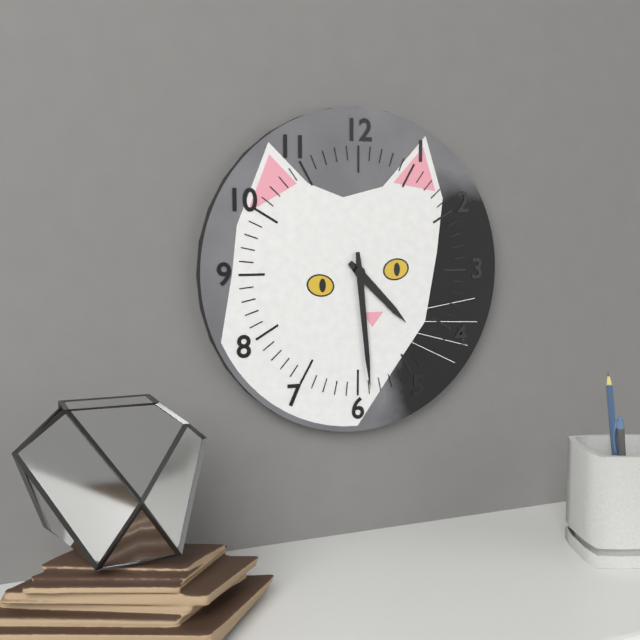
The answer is 4h29
